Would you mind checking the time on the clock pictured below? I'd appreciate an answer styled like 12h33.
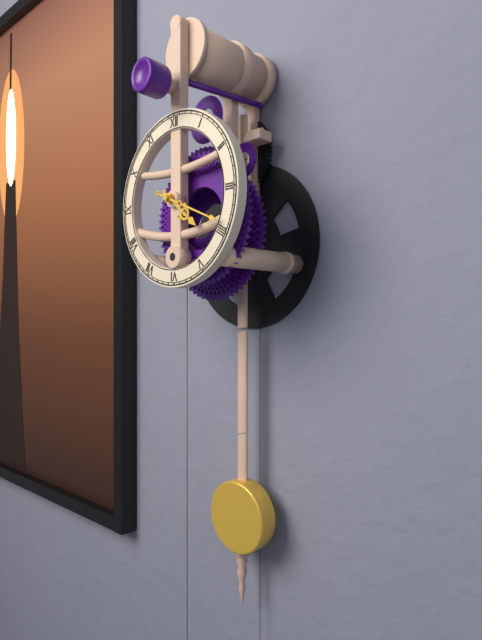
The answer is 4h19
